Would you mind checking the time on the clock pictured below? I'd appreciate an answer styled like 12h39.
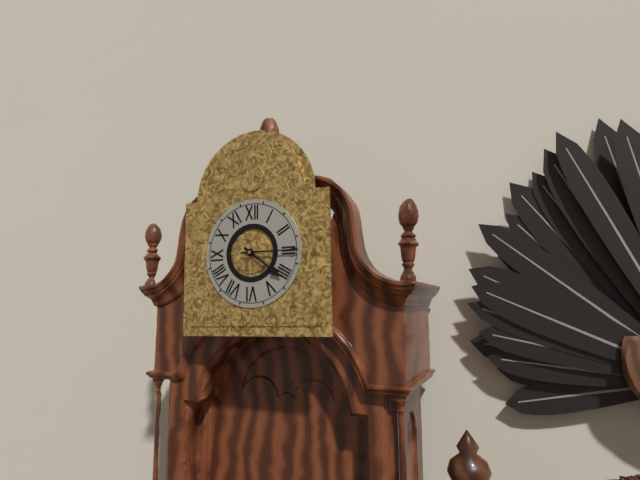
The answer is 4h15
